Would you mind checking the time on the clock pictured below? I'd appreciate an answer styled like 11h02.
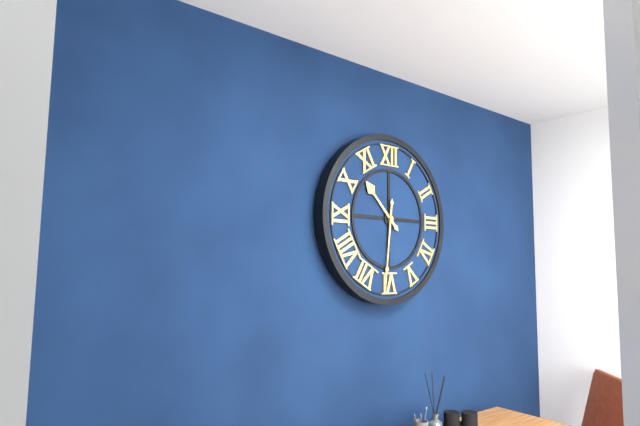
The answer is 10h31
